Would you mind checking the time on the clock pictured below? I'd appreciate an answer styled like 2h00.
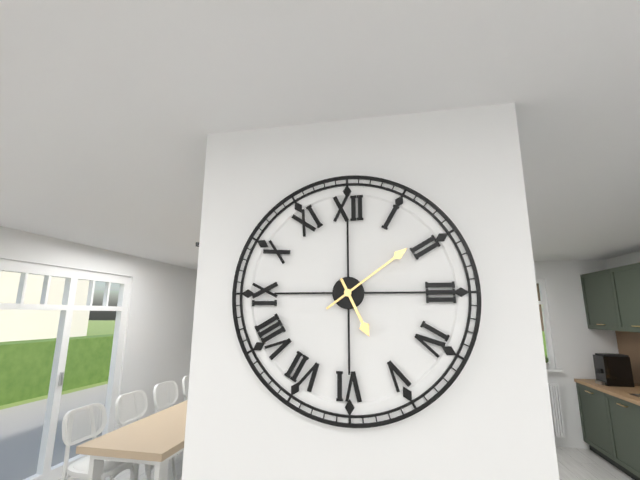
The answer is 5h09
